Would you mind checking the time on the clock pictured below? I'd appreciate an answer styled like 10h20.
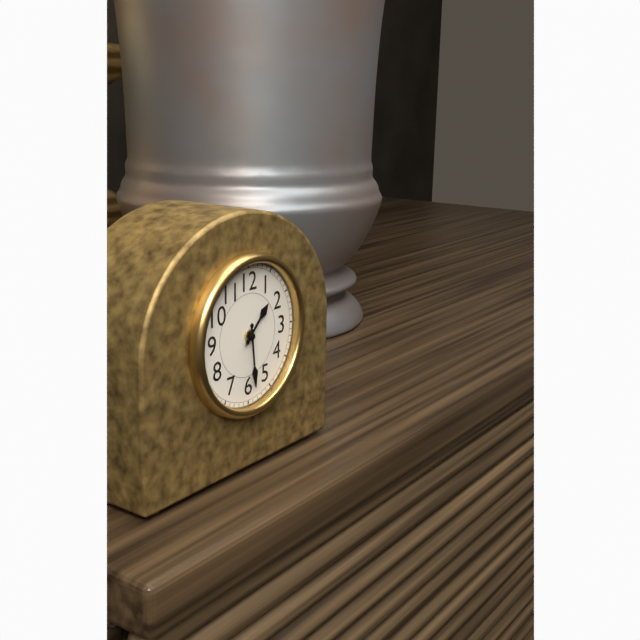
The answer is 1h29
